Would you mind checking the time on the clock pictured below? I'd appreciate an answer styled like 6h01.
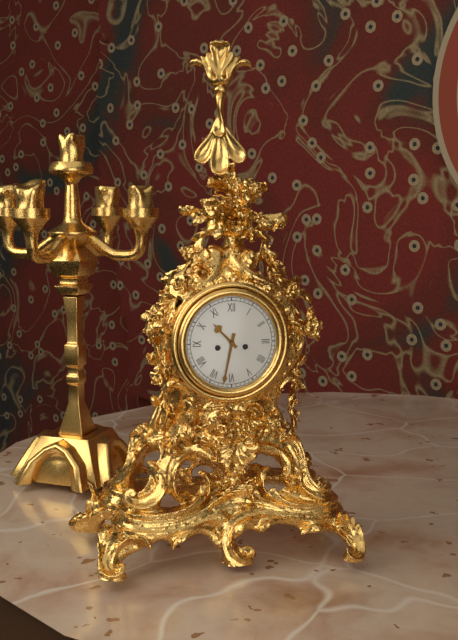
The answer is 10h32
